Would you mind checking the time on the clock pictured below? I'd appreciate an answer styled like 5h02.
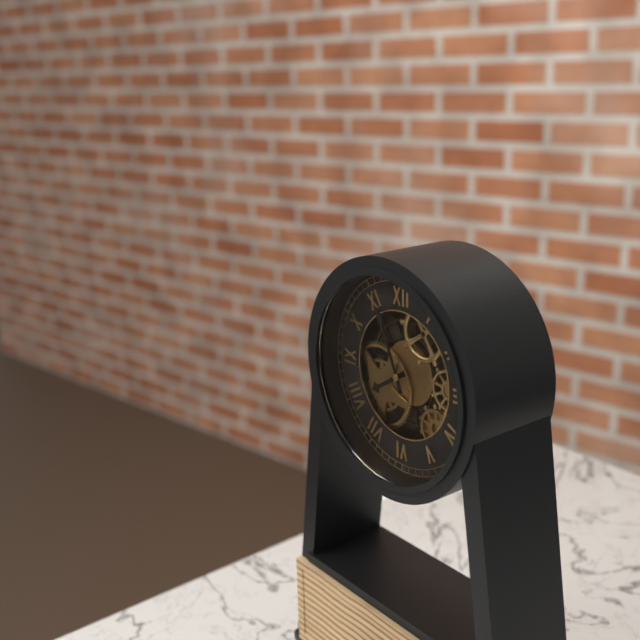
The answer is 7h56
